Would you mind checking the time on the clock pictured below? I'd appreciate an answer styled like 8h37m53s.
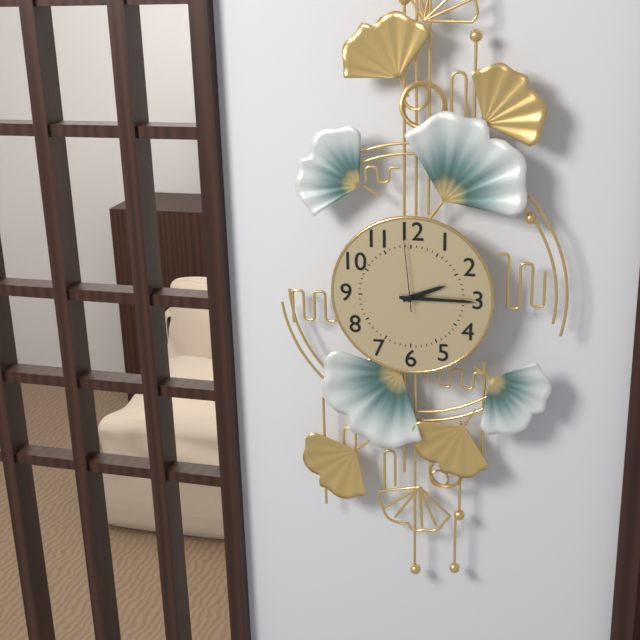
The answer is 2h15m59s
